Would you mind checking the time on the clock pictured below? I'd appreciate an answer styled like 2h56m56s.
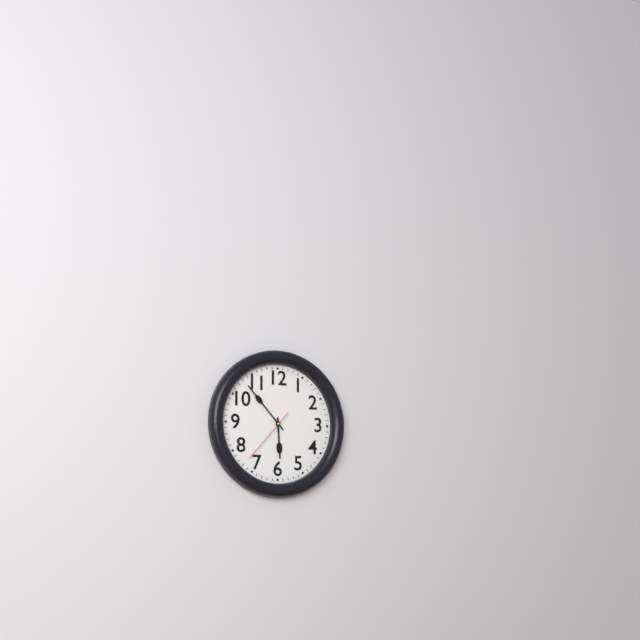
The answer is 5h53m37s
